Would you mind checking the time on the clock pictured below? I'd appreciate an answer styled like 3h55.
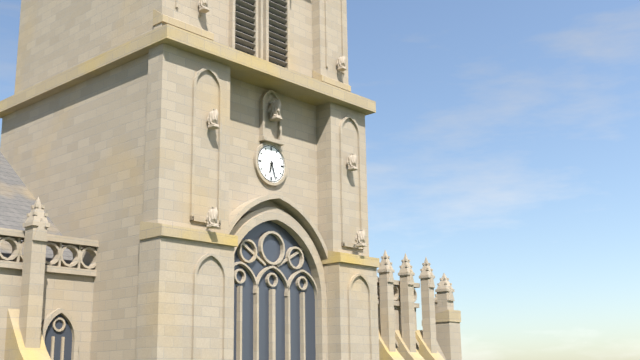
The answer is 6h27
